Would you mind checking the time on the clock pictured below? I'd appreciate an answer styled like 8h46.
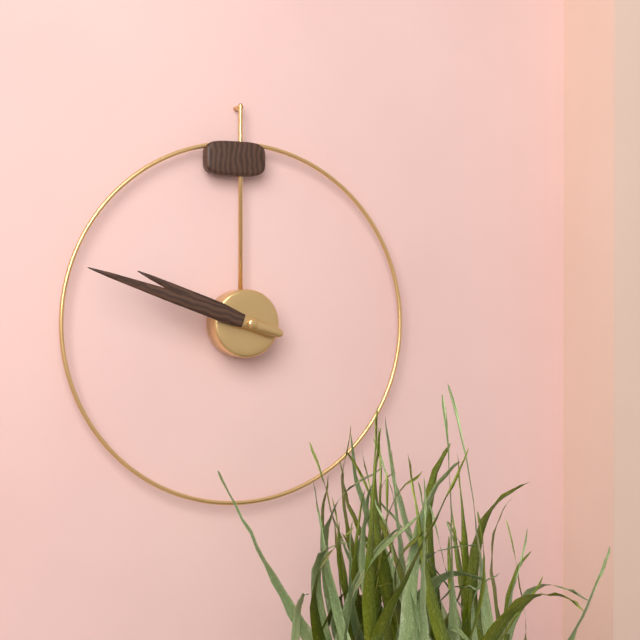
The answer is 9h48
